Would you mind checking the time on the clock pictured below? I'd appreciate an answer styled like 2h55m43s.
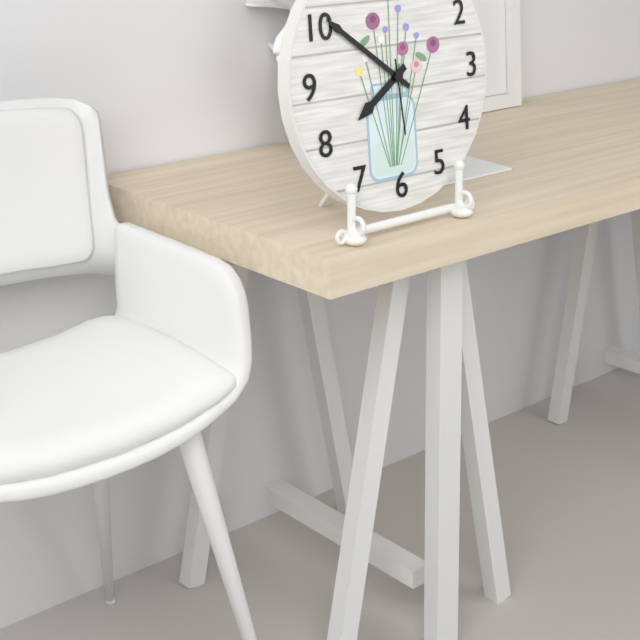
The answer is 7h51m29s
